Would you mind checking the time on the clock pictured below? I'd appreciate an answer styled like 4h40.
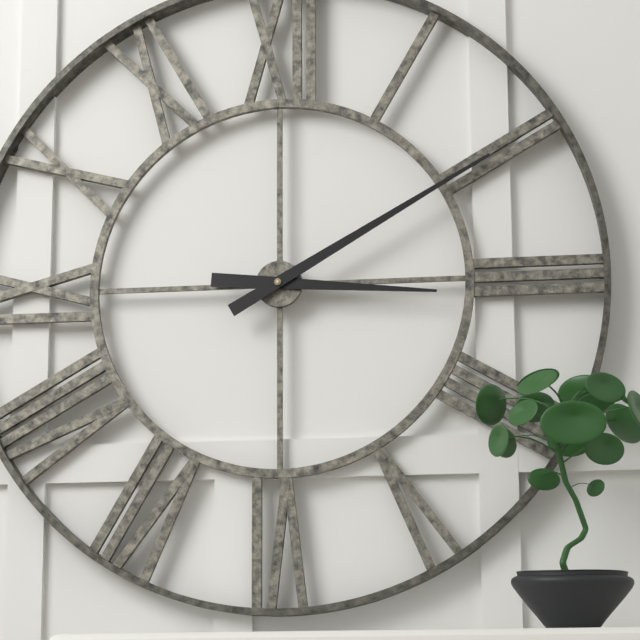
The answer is 3h10
